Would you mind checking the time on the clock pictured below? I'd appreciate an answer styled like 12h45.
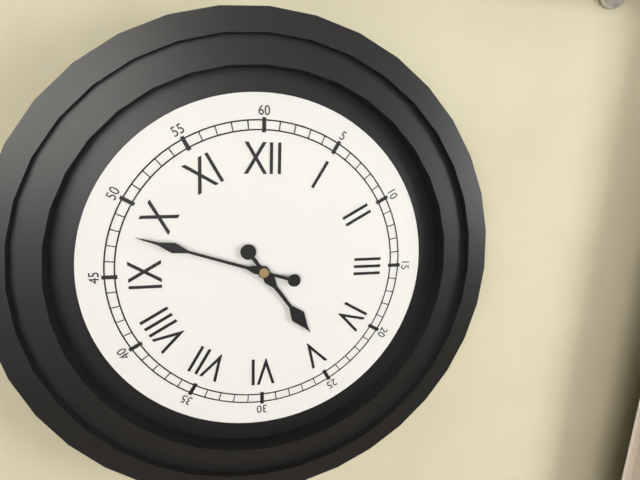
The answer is 4h48
